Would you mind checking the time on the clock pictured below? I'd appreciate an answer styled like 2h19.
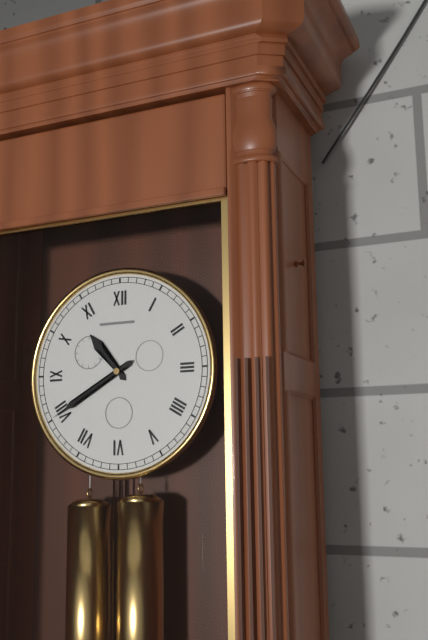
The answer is 10h40
